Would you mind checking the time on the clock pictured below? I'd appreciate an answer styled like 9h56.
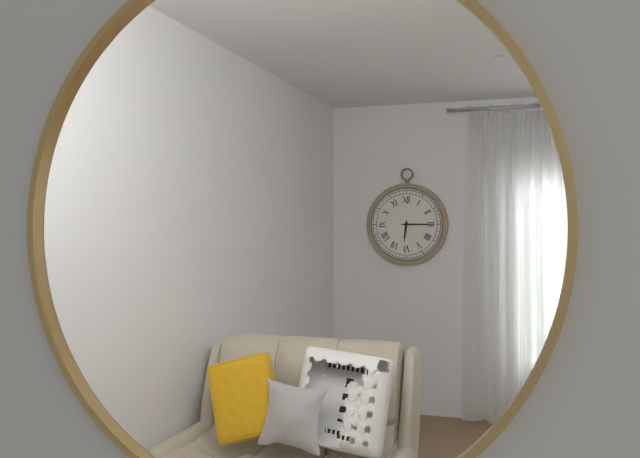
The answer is 6h15
